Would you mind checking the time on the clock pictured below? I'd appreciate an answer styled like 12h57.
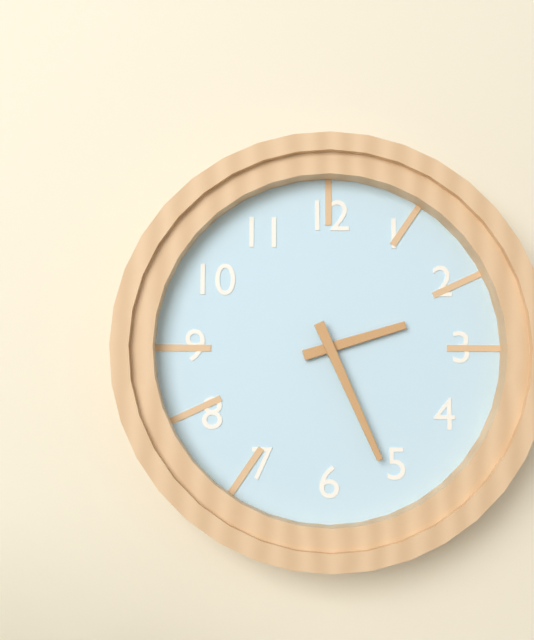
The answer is 2h26
